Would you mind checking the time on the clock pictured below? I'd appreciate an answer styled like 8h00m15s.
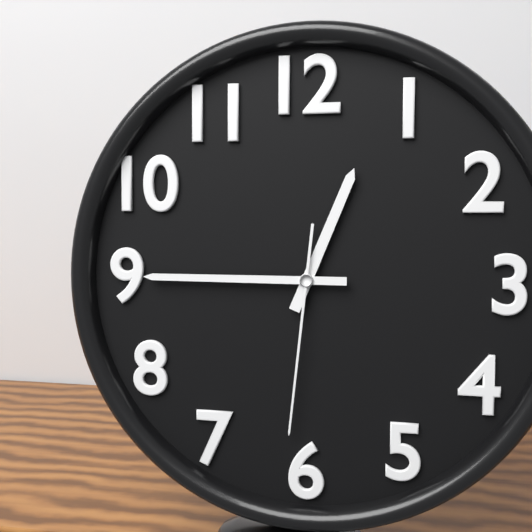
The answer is 12h45m31s
